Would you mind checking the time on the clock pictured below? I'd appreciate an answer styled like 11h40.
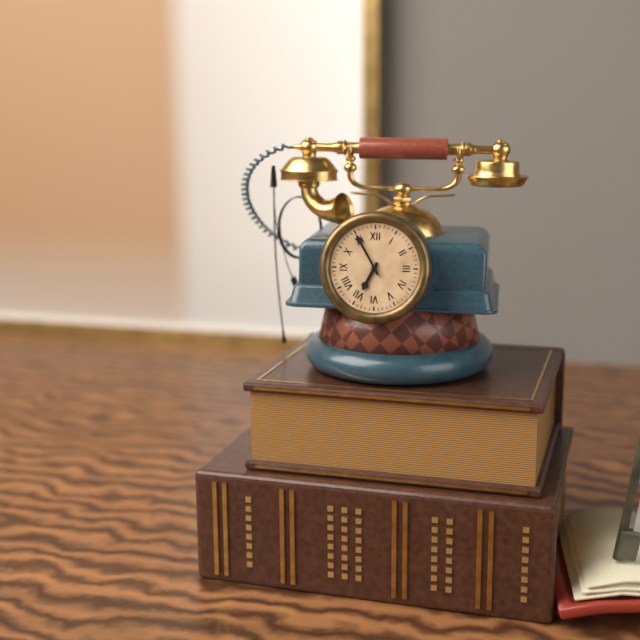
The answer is 6h55
